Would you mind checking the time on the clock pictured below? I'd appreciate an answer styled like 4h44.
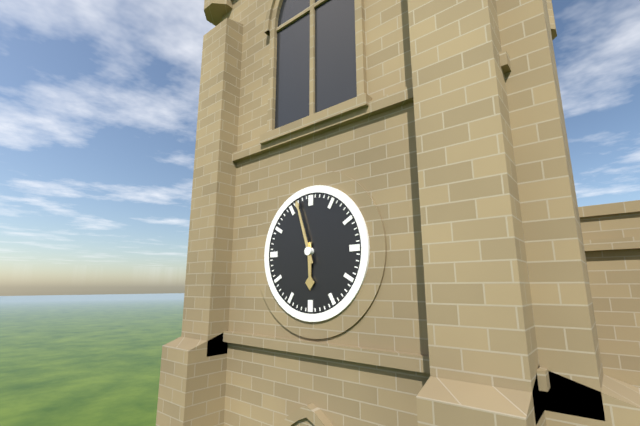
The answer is 5h57
